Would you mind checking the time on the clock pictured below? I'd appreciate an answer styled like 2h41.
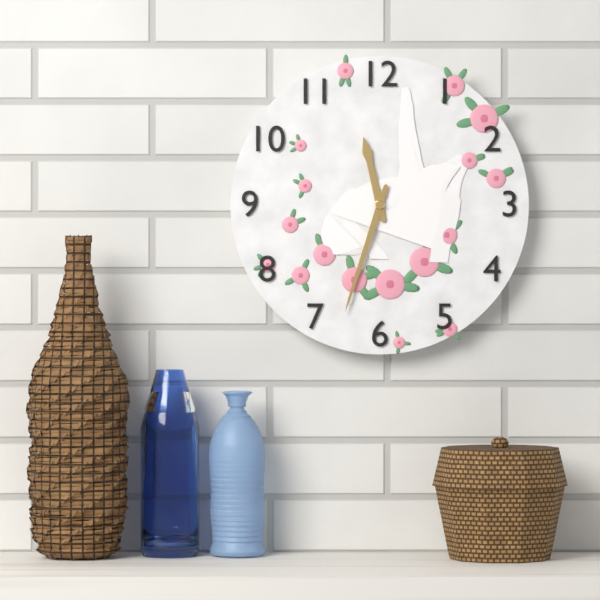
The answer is 11h33
